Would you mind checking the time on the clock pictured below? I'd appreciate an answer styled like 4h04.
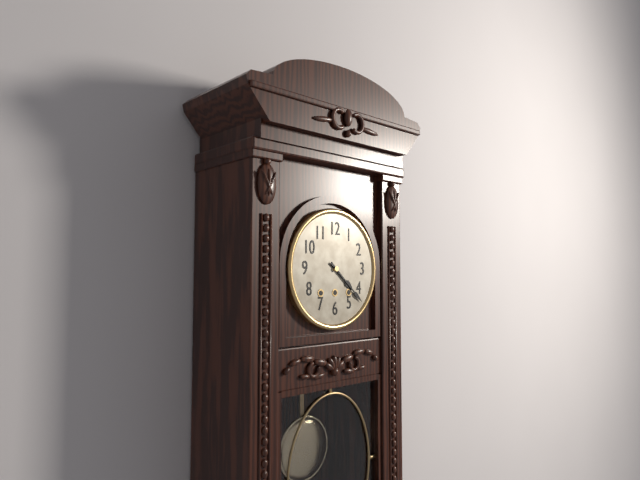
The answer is 4h22
